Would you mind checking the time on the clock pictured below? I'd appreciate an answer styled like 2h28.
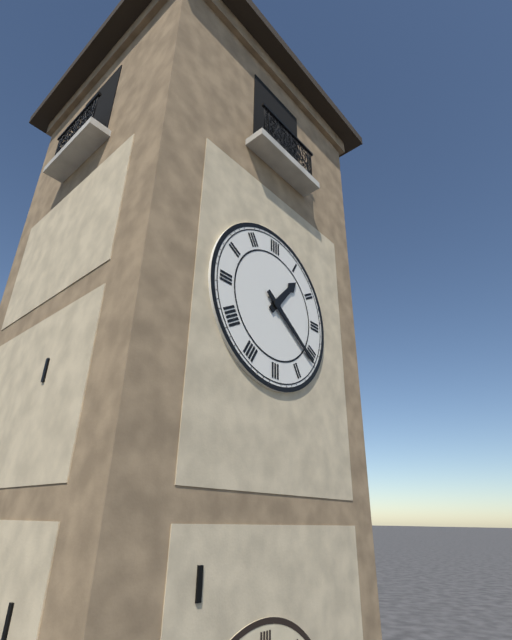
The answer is 1h21
